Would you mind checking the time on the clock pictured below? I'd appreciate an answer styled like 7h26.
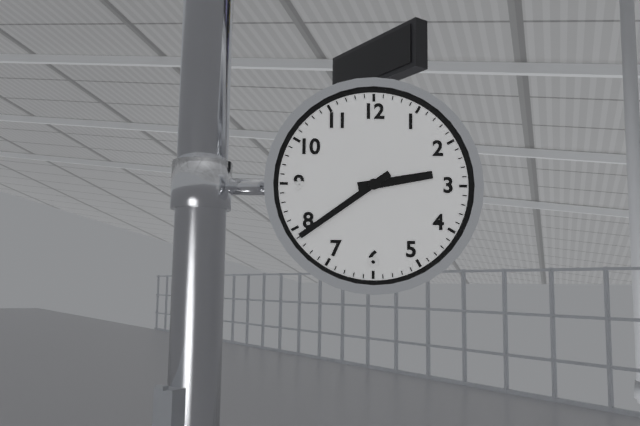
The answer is 2h39
